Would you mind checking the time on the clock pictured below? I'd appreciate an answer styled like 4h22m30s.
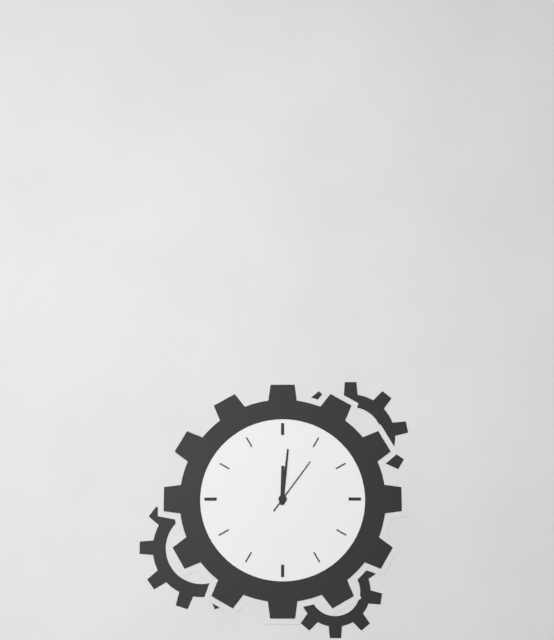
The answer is 12h01m06s
